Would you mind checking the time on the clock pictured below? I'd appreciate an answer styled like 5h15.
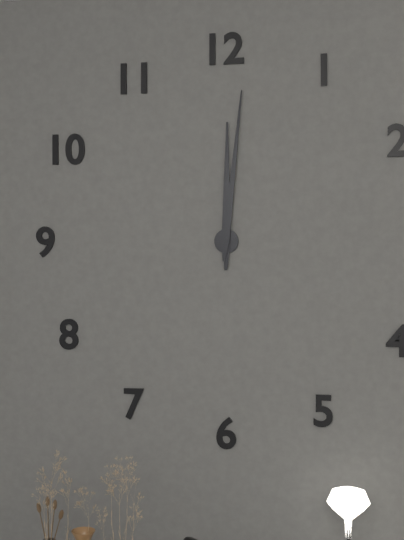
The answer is 12h01
